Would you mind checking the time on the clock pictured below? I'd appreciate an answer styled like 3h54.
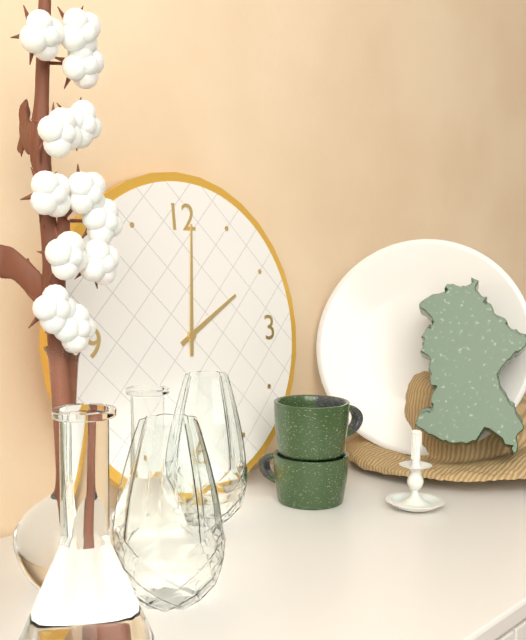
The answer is 2h01
